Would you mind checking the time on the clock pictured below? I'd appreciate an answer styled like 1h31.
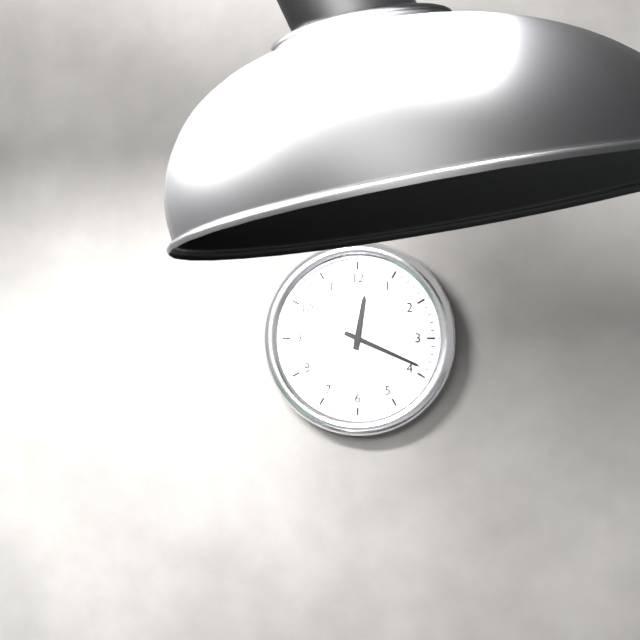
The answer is 12h19
